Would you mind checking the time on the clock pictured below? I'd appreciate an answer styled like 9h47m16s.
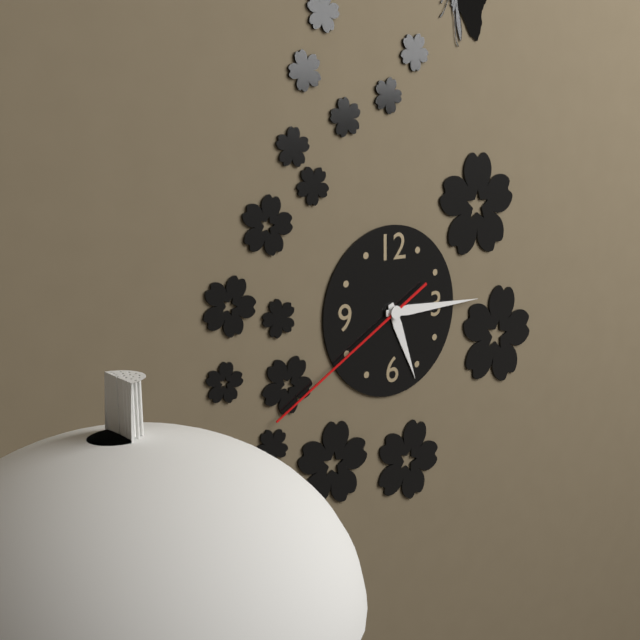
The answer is 5h15m40s
